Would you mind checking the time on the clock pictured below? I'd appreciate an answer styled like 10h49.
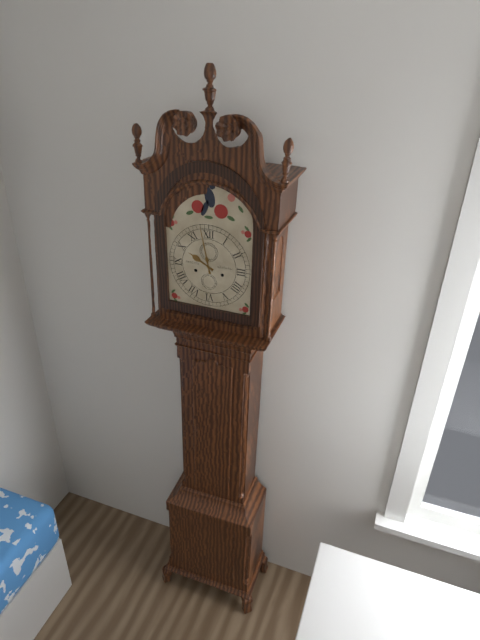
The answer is 9h58
